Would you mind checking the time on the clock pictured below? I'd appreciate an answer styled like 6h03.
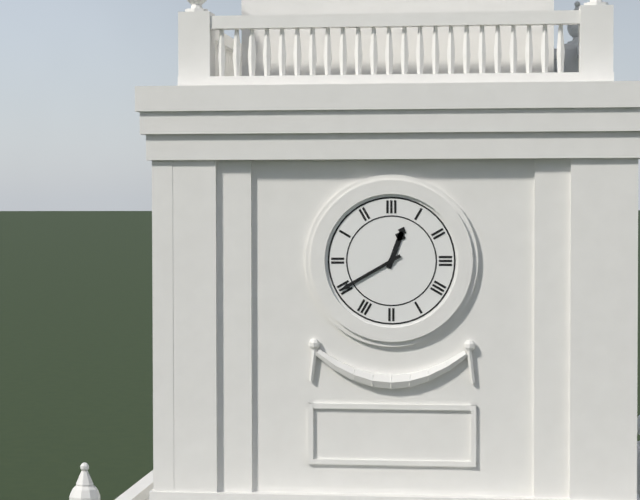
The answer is 12h40
